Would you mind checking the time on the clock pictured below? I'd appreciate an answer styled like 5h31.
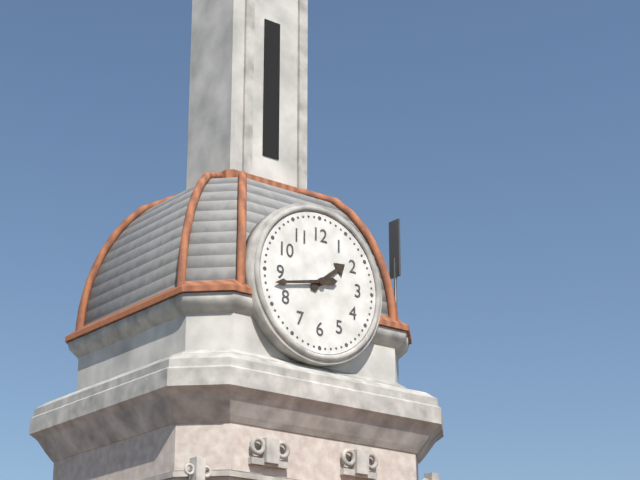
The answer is 1h43
